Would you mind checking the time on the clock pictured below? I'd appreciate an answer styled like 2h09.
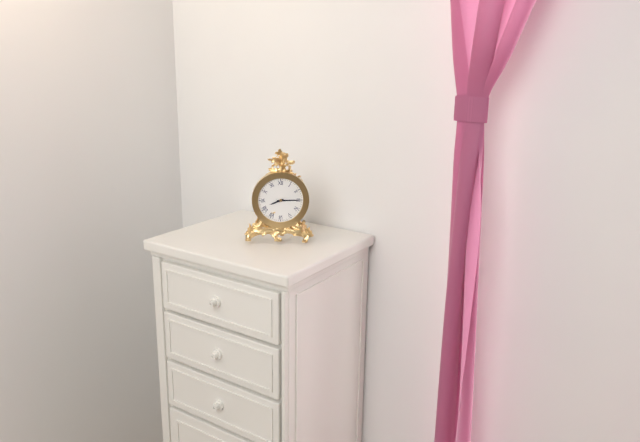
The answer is 8h15
